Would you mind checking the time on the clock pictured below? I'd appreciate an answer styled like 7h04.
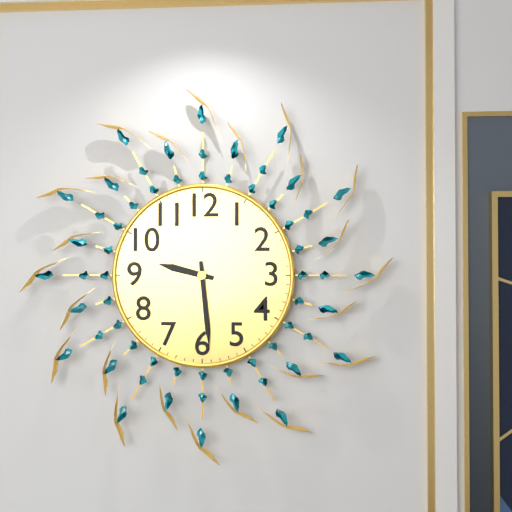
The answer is 9h29
